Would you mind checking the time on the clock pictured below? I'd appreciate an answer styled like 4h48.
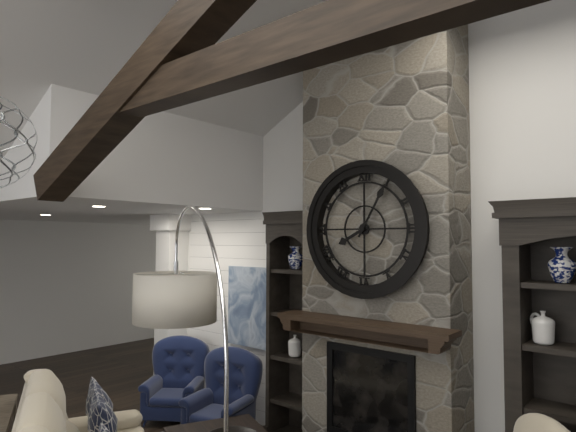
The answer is 8h05
